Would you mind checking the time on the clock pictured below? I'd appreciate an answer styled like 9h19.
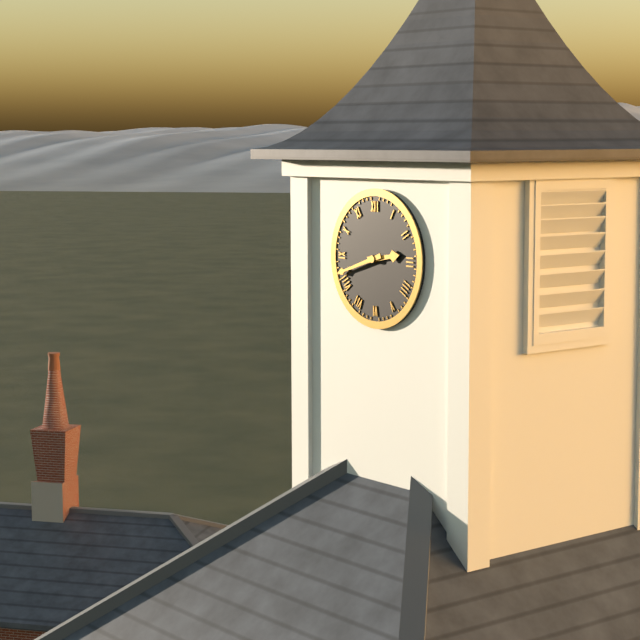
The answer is 2h42
